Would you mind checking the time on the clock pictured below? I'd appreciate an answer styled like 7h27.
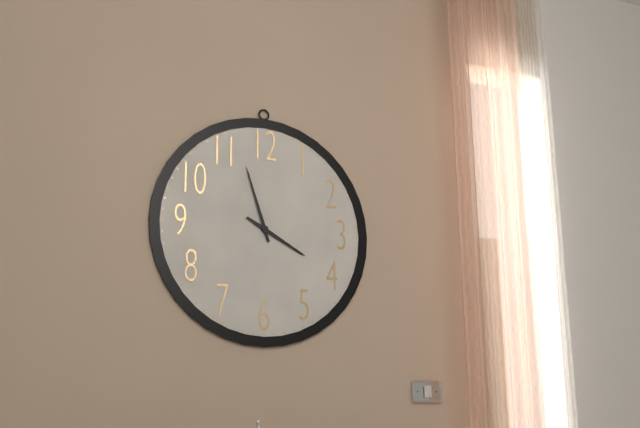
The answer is 3h57
